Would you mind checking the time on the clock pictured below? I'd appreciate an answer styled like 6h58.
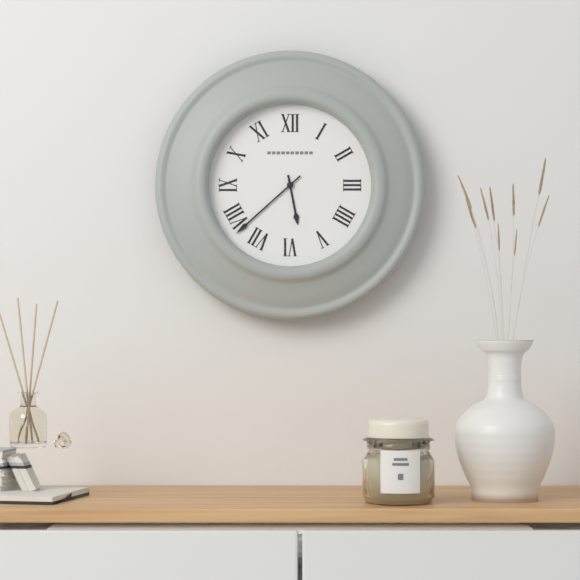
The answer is 5h38
